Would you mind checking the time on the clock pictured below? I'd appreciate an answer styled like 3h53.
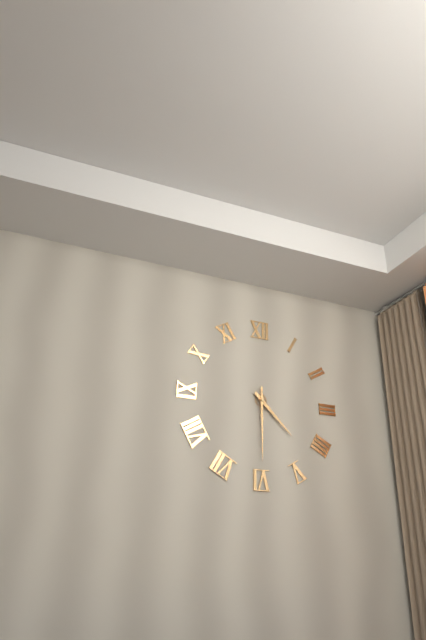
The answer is 4h30
